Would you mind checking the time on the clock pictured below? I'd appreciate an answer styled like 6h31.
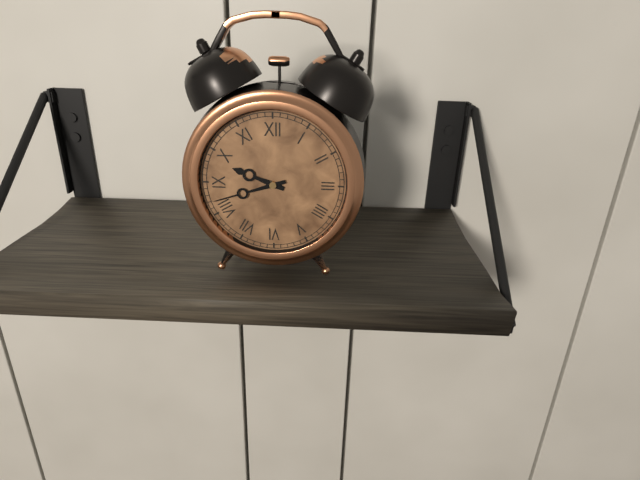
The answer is 9h42
